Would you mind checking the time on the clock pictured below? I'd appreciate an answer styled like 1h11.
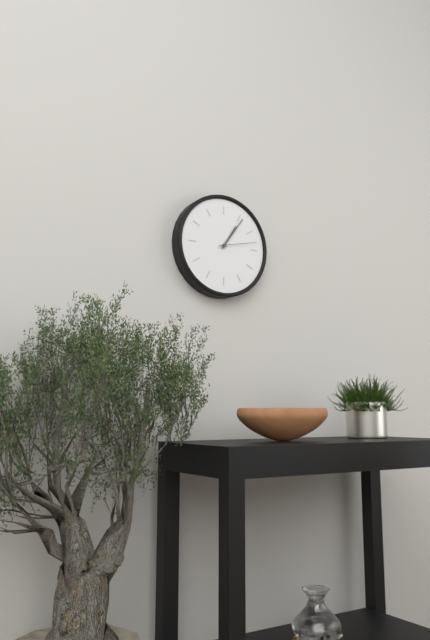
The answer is 1h06
